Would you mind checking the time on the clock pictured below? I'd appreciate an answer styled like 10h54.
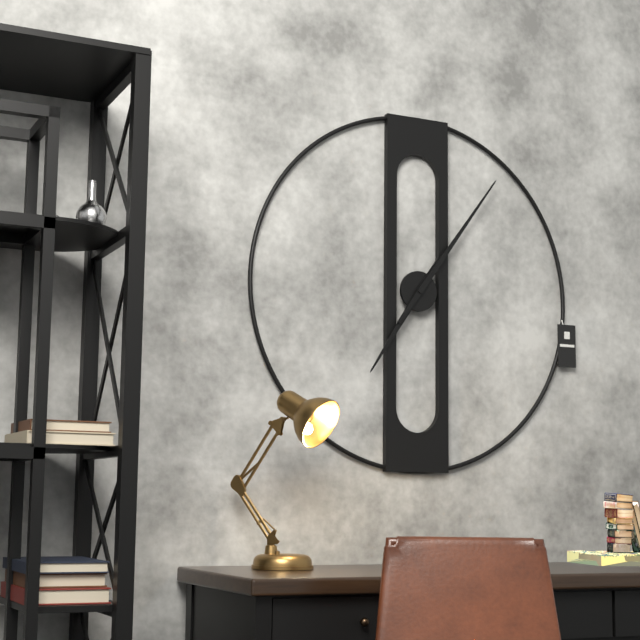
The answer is 7h06
